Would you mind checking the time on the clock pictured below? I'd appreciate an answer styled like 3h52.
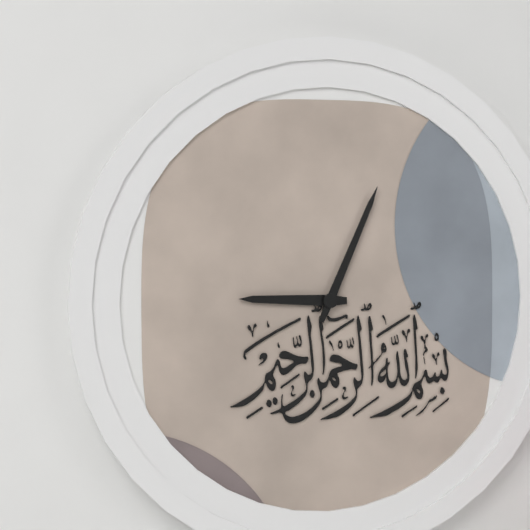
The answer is 9h04
